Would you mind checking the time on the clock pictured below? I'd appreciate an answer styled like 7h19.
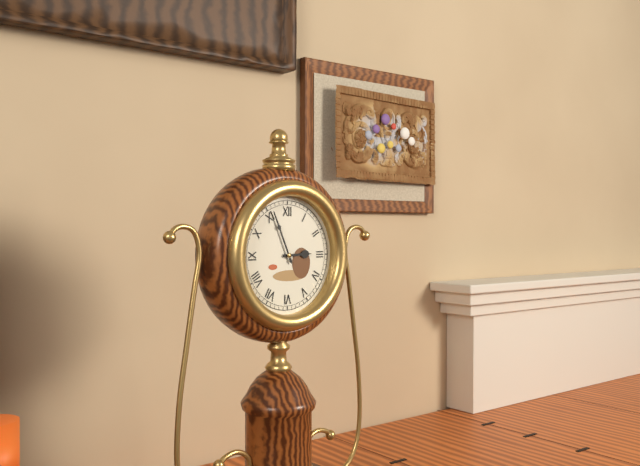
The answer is 2h56
